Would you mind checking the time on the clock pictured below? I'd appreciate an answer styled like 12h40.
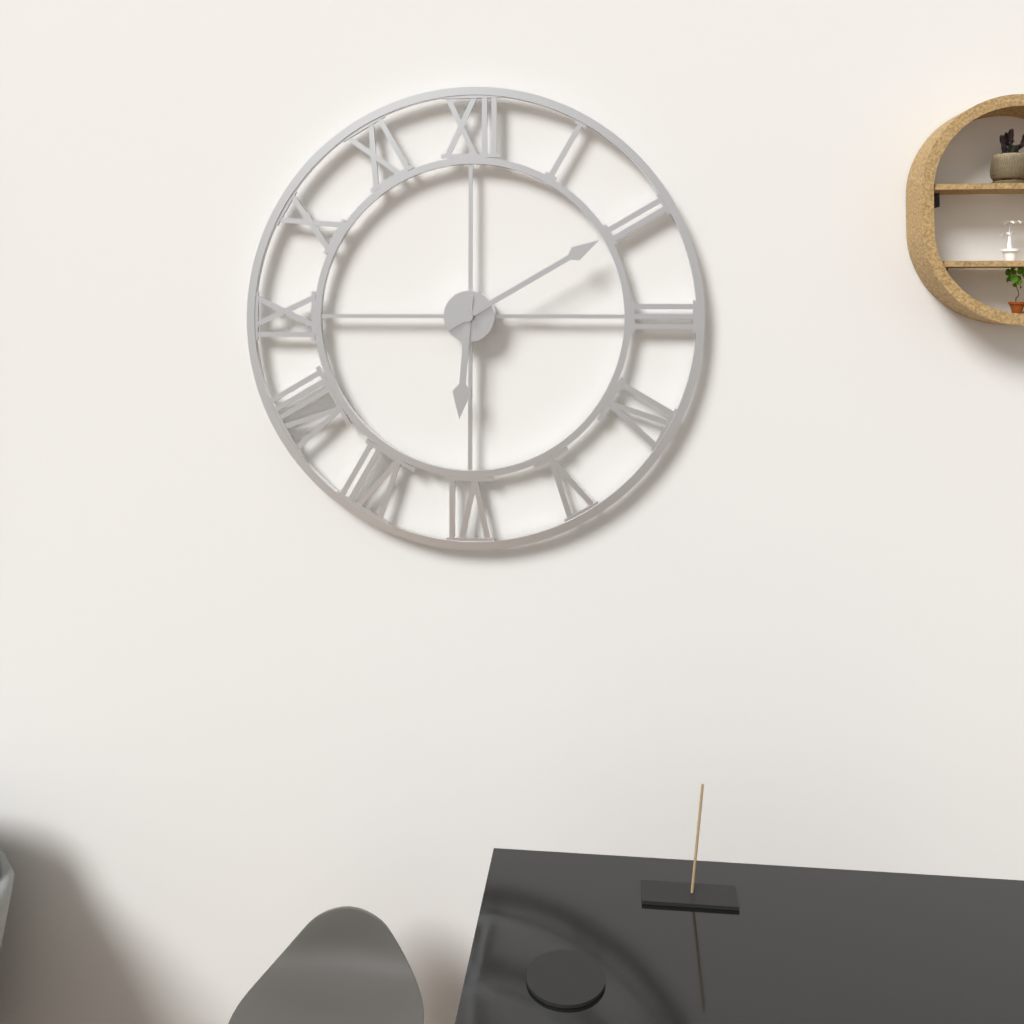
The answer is 6h10
